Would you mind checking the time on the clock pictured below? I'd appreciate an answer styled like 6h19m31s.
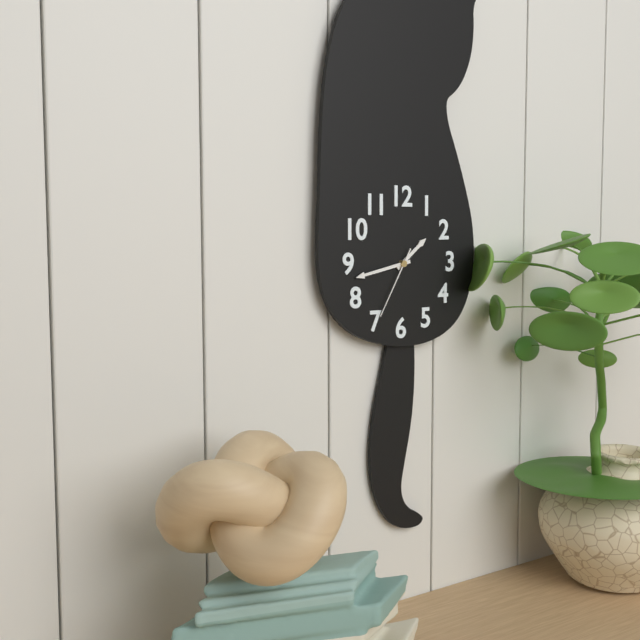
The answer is 1h43m35s
